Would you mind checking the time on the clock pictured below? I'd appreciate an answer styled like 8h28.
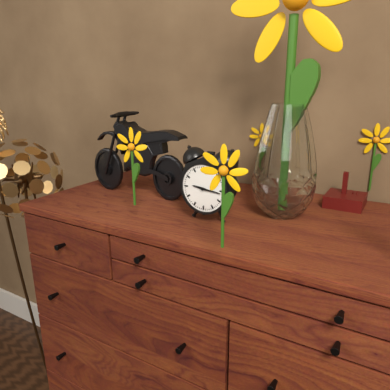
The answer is 9h16
